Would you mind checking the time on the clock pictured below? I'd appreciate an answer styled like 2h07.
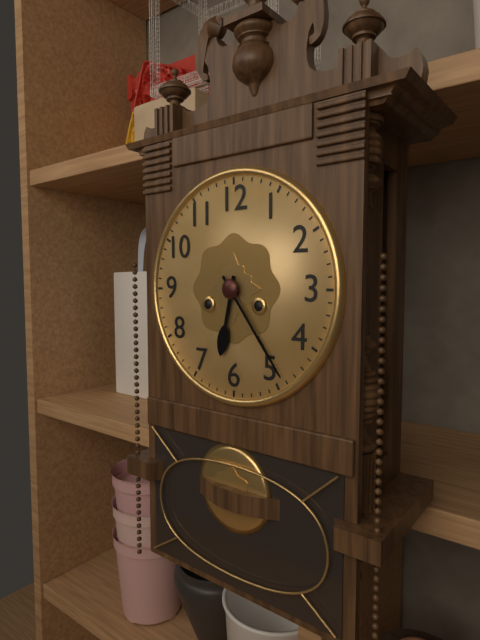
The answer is 6h24
